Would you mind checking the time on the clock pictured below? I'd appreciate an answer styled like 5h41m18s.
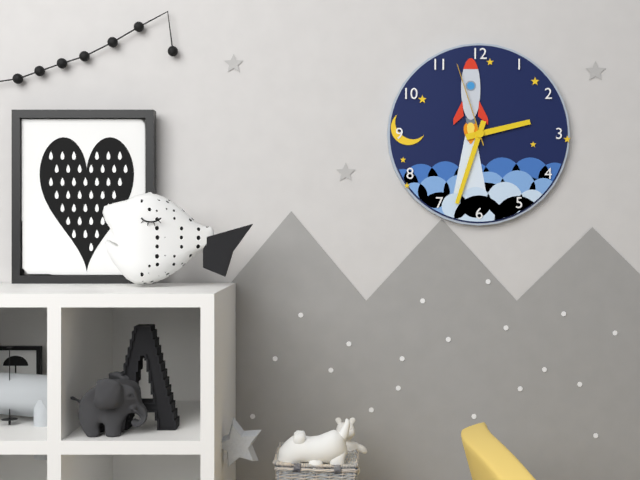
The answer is 2h33m57s
